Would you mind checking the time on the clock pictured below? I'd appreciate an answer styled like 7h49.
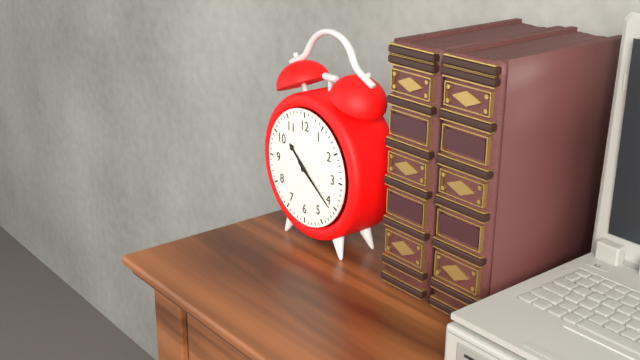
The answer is 10h21
